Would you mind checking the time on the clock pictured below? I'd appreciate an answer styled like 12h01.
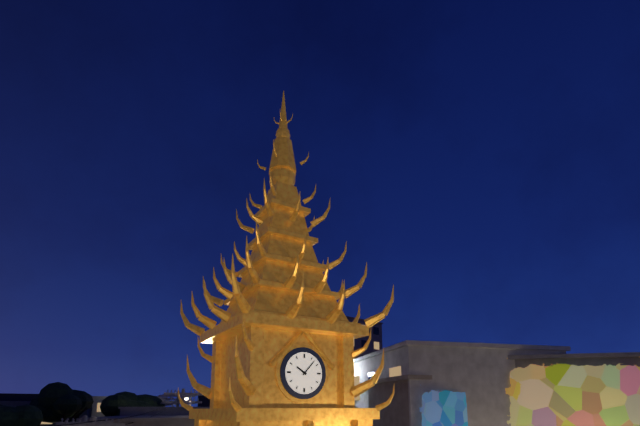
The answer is 10h07
